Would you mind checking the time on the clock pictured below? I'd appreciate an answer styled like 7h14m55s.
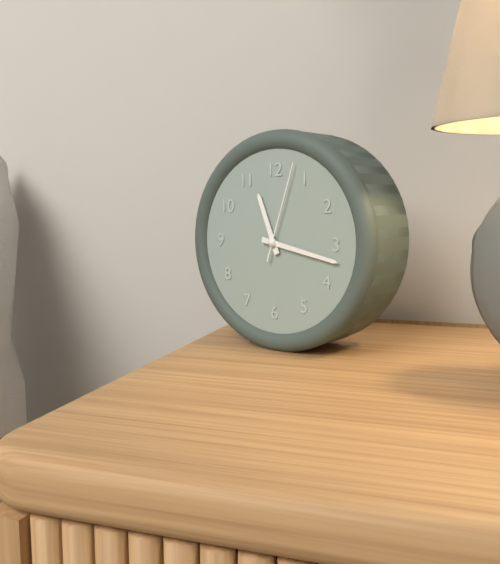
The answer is 11h17m03s
